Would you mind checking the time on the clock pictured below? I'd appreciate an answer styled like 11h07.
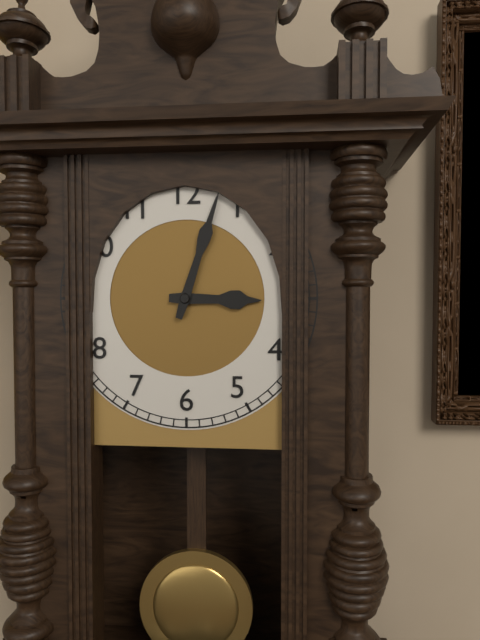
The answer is 3h03
